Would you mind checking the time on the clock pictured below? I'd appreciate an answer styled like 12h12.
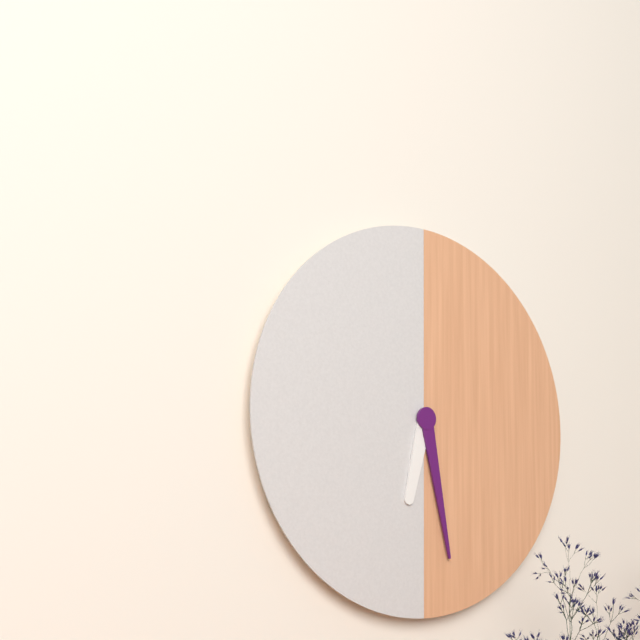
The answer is 6h28
